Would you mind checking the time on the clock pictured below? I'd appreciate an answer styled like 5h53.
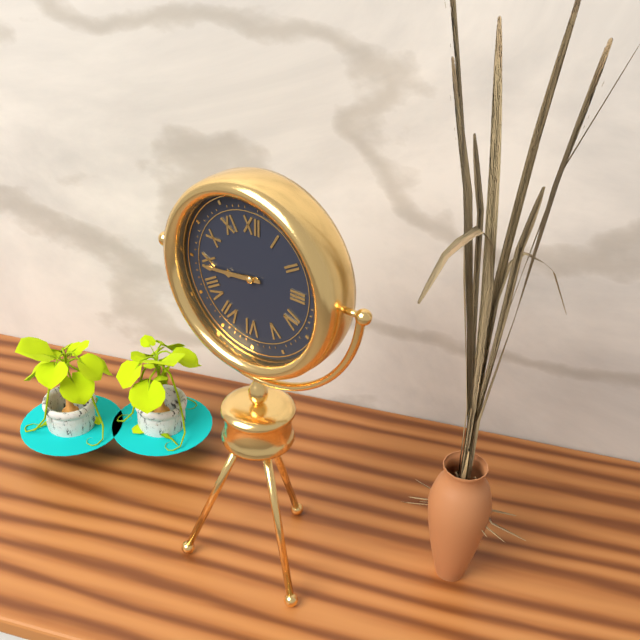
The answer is 8h44
